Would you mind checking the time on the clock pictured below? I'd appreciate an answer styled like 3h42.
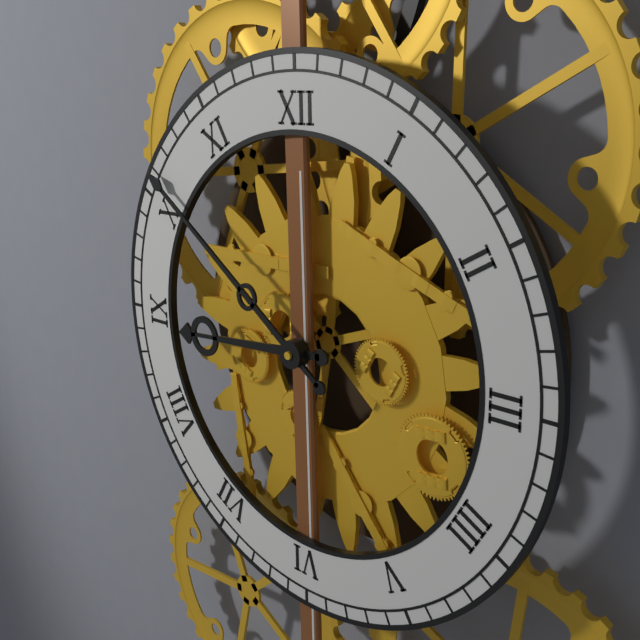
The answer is 8h51
